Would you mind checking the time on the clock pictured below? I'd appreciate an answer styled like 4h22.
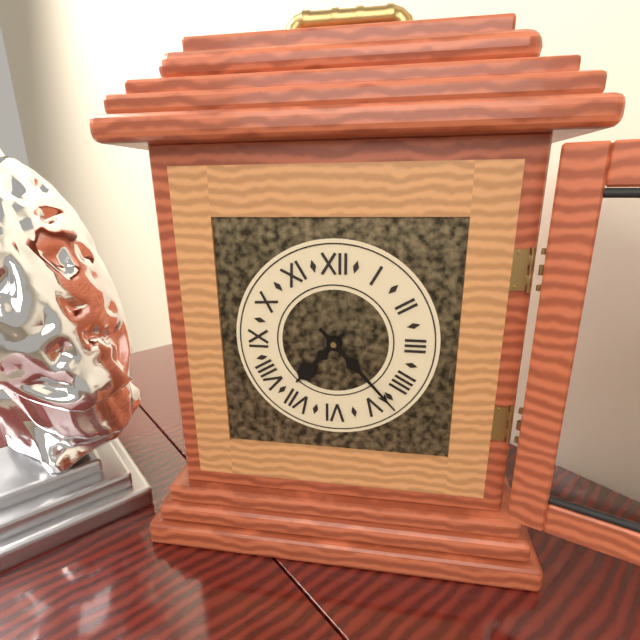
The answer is 7h23
